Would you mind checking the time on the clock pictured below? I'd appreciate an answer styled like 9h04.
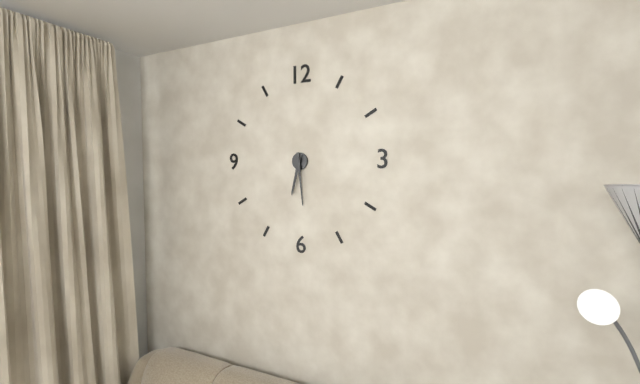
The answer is 6h29
